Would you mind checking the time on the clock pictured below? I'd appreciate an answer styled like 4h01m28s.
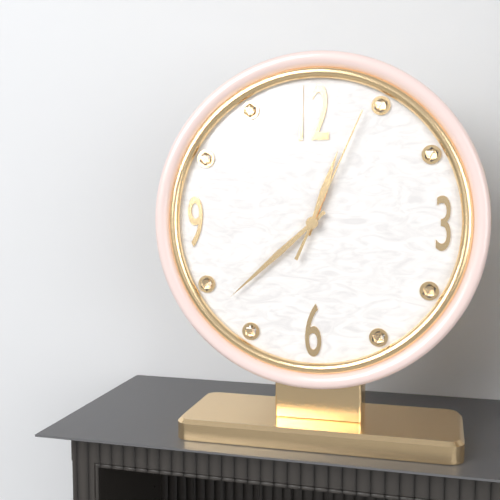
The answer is 12h38m04s
